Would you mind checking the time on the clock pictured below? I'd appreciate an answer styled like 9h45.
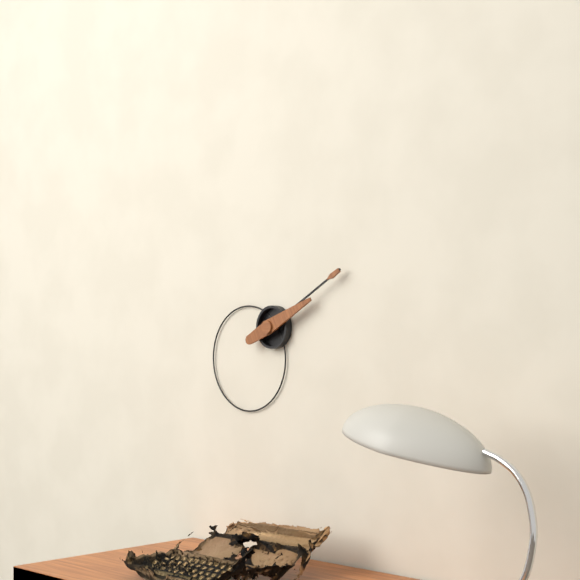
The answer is 2h10
